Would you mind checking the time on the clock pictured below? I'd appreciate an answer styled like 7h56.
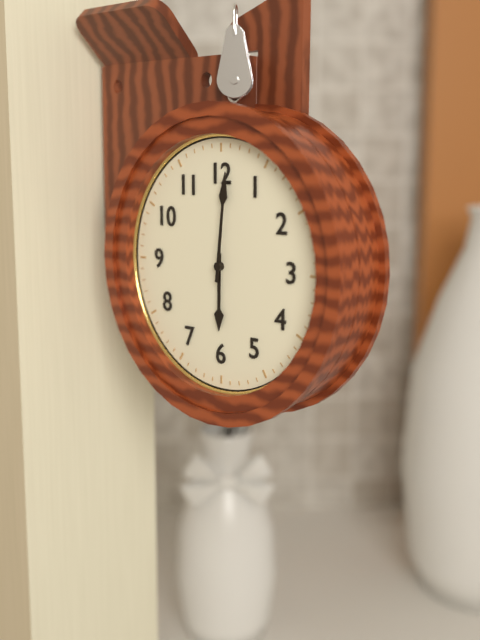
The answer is 6h01
